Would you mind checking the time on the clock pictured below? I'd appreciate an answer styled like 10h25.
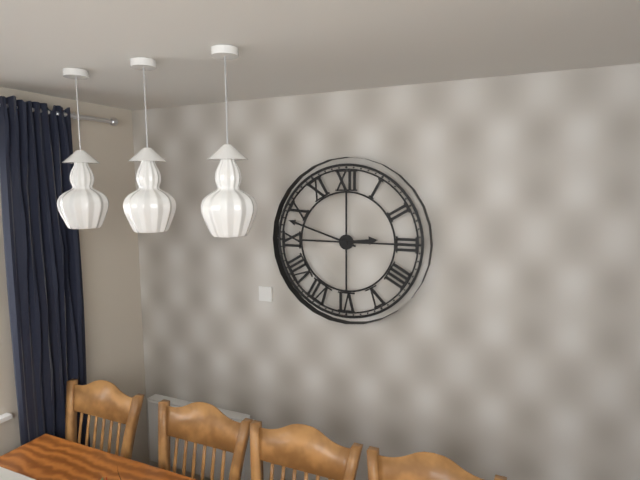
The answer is 2h48
